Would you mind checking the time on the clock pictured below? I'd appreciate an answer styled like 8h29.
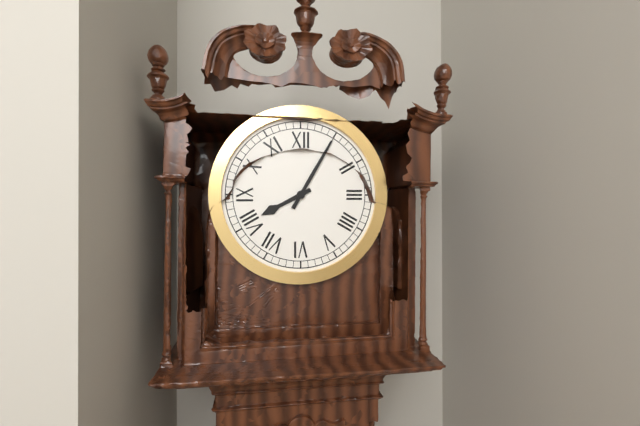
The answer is 8h05
